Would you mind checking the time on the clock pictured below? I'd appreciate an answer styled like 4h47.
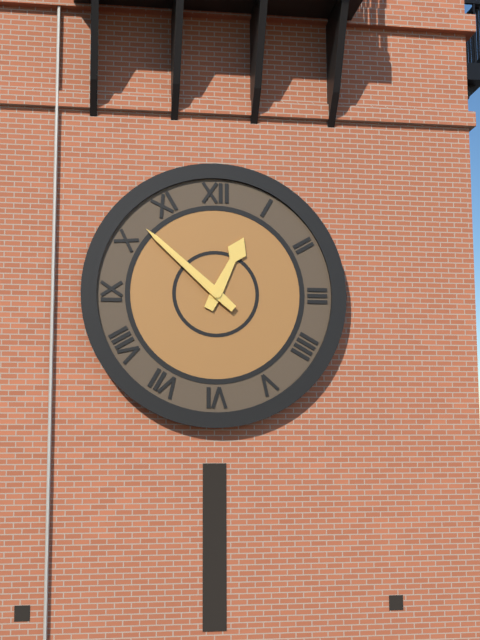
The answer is 12h52
